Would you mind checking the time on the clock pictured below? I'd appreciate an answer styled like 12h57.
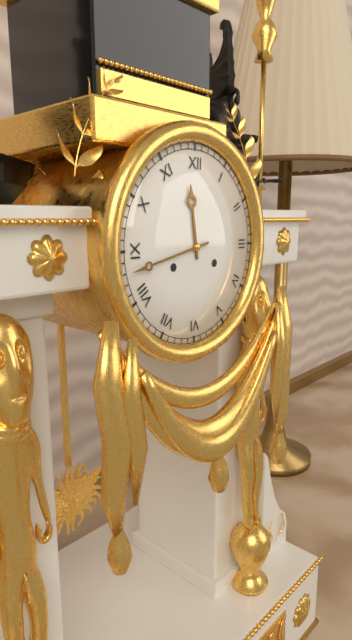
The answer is 11h43
